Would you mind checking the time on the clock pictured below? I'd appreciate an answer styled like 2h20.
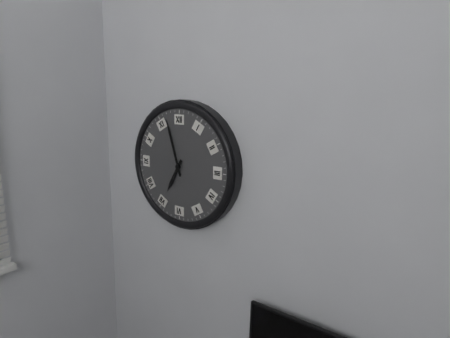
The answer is 6h57
